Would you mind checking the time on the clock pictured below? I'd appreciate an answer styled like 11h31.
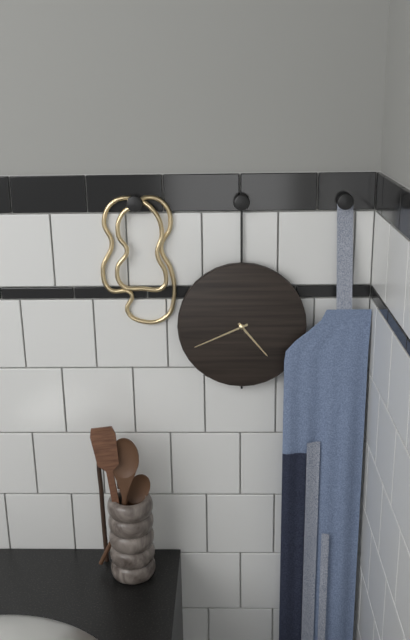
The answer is 4h41
